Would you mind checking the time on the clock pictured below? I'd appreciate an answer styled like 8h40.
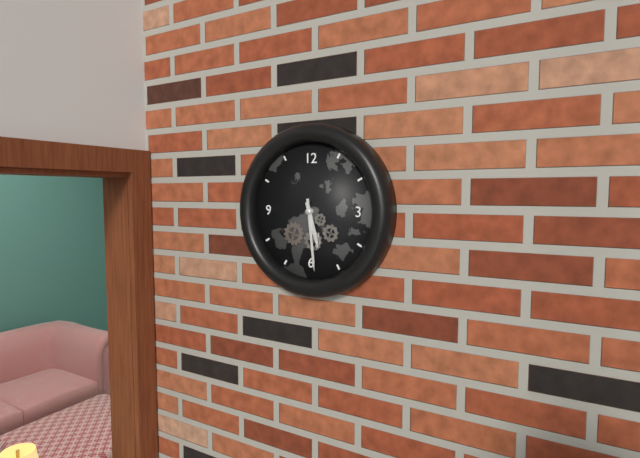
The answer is 5h29
